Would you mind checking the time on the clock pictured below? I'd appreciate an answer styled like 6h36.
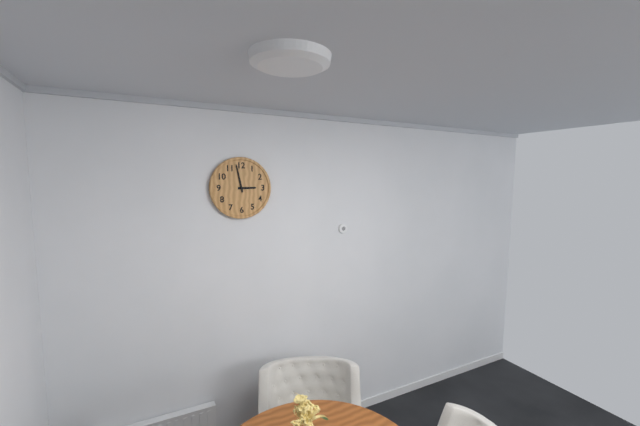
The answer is 2h58
